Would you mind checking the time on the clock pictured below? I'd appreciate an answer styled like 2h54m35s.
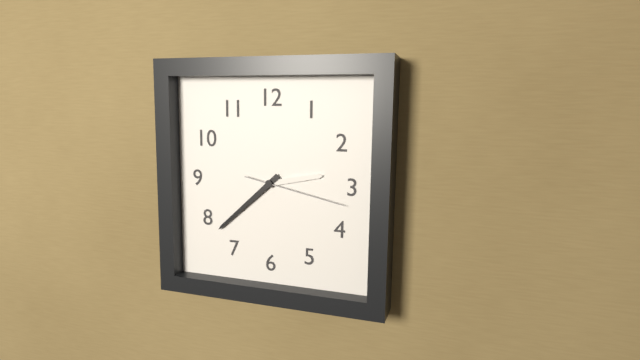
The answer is 2h38m17s
